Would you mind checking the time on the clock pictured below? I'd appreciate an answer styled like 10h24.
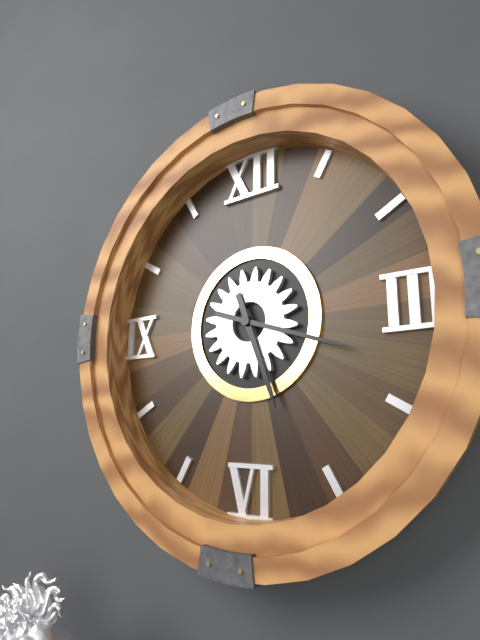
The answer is 5h18
